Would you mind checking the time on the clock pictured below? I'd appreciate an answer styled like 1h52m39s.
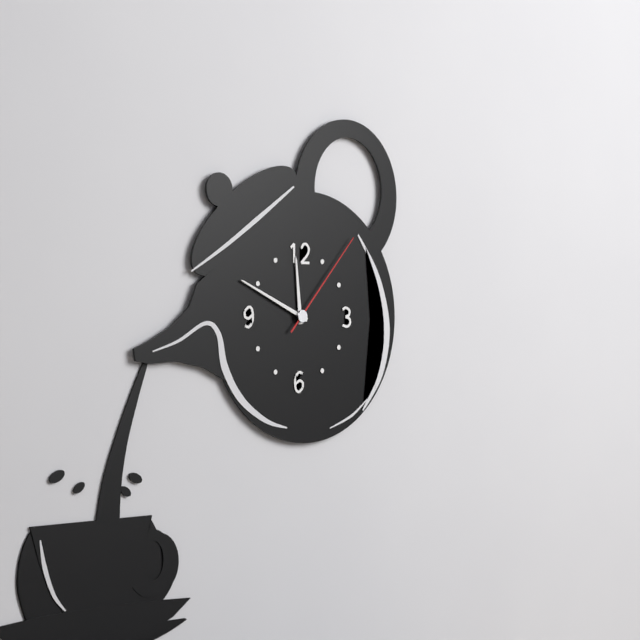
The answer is 11h49m07s
